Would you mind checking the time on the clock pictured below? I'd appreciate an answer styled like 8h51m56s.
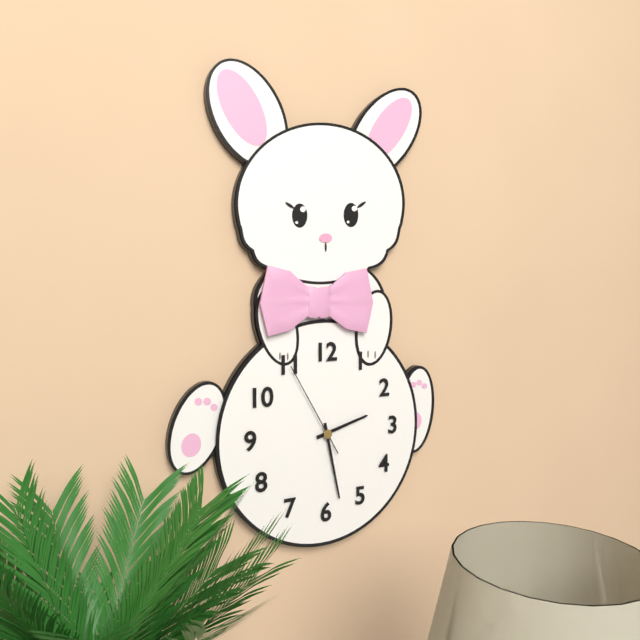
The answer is 2h28m55s
